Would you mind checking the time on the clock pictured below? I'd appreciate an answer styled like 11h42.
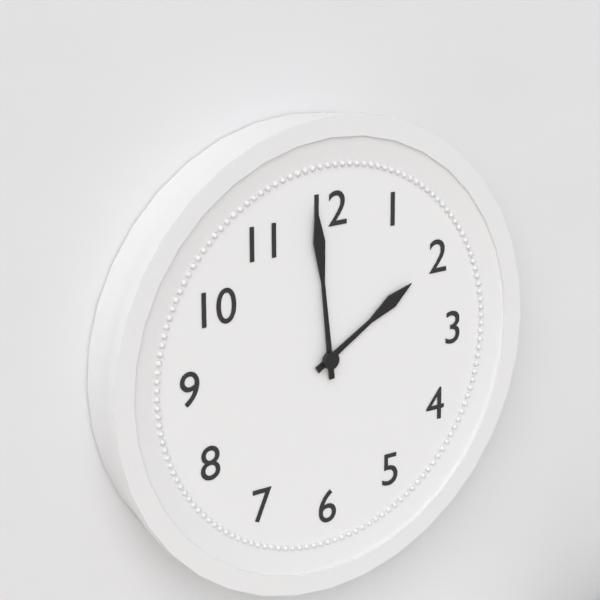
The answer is 1h59
